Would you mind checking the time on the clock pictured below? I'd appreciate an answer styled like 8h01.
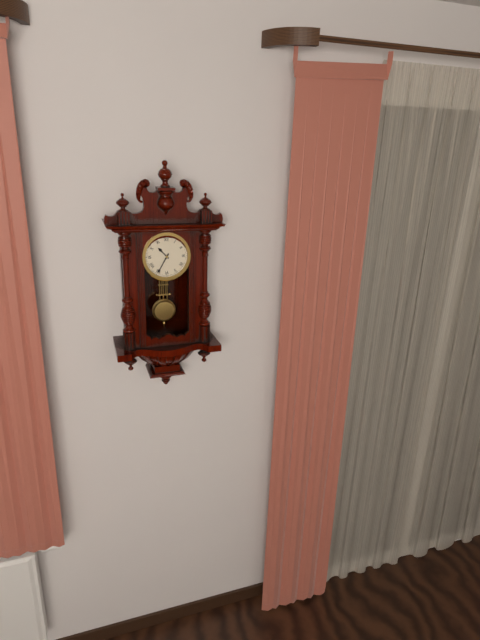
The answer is 10h35
